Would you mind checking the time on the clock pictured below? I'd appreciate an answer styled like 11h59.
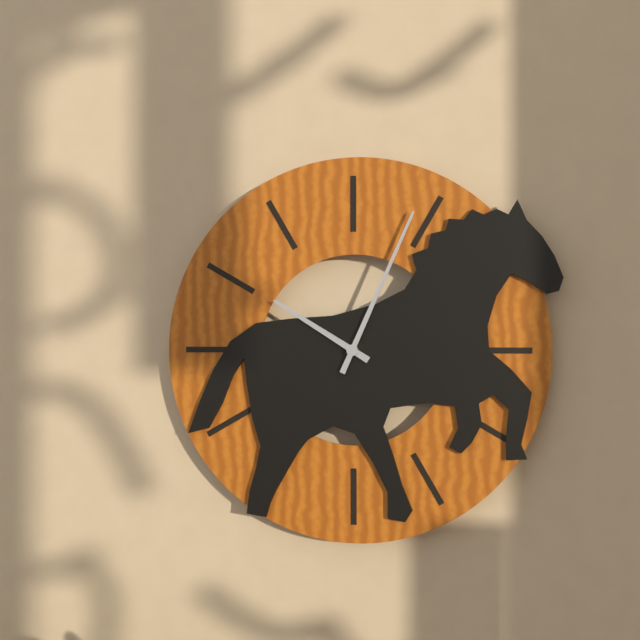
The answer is 10h04
